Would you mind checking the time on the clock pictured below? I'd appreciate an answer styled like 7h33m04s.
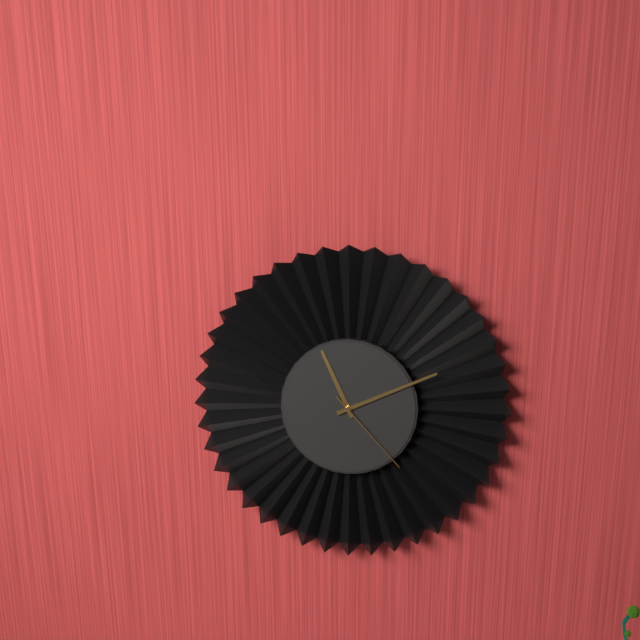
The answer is 11h11m23s
